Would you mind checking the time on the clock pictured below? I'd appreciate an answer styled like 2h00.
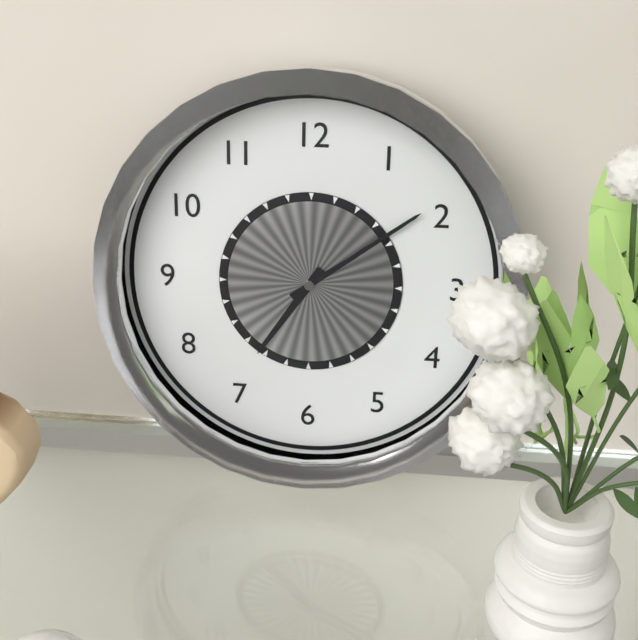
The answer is 7h09
